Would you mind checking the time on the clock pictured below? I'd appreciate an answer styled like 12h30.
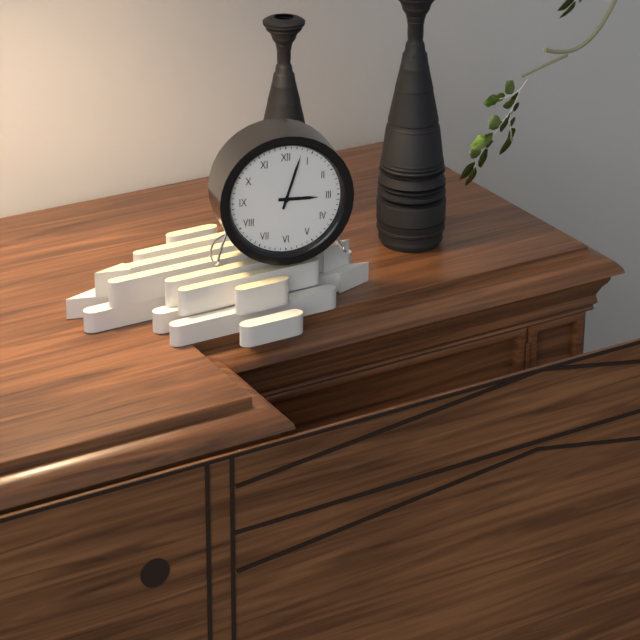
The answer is 3h03
